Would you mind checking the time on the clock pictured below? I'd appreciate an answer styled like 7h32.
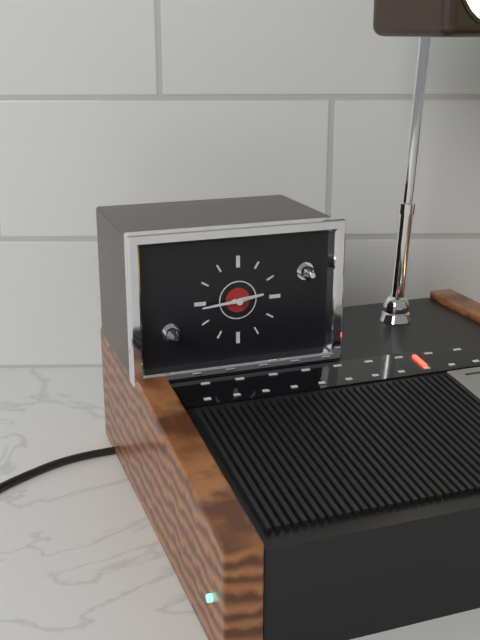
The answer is 2h44
